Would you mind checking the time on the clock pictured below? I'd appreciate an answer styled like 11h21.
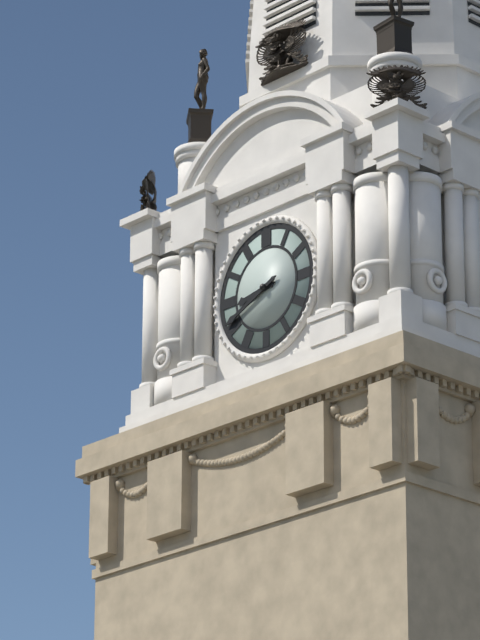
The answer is 8h41
